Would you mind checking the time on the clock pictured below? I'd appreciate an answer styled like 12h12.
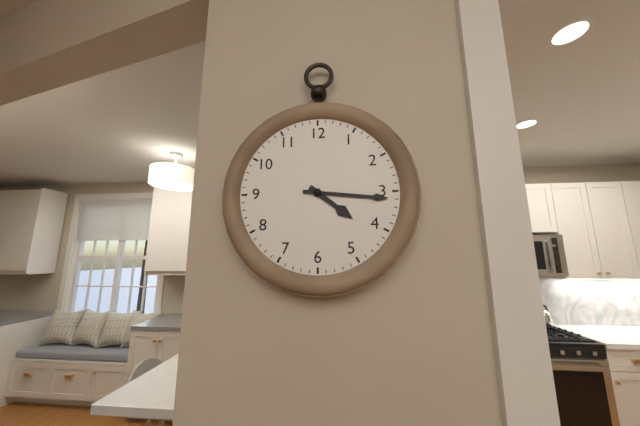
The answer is 4h16
